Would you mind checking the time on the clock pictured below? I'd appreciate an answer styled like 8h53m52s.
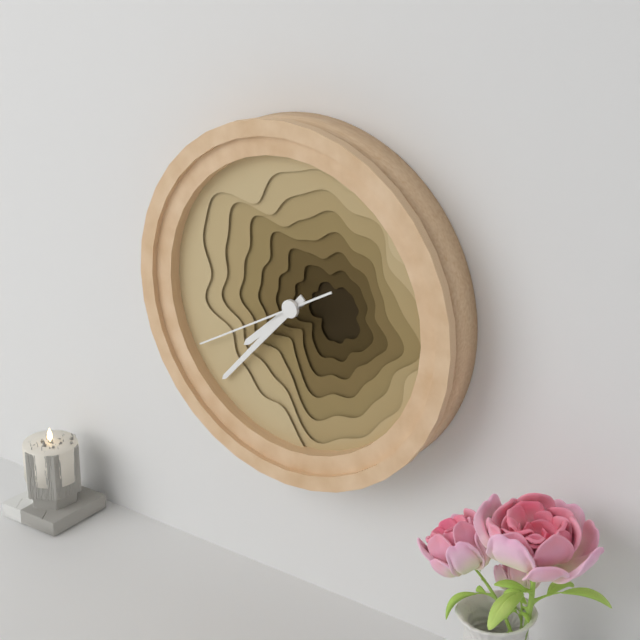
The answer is 7h37m40s
